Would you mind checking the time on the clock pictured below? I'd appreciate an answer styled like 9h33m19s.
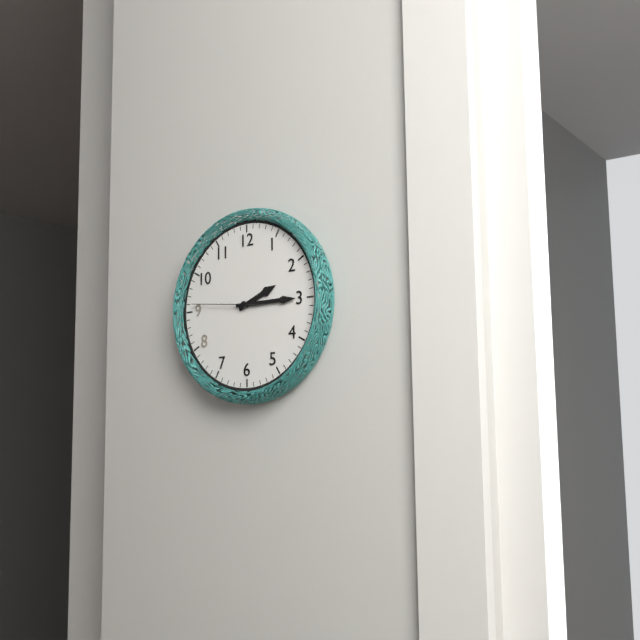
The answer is 2h15m46s
